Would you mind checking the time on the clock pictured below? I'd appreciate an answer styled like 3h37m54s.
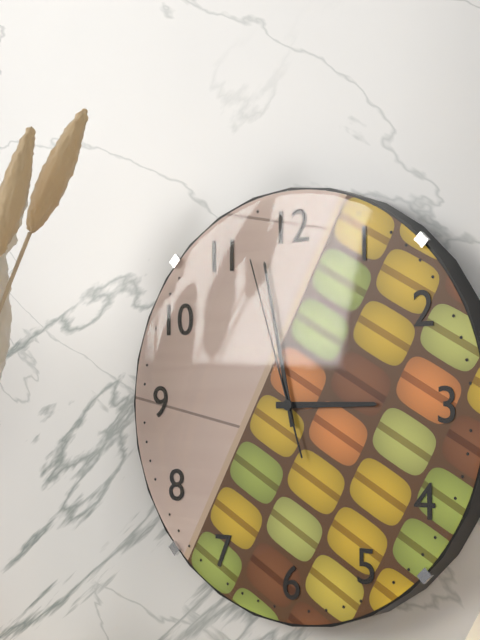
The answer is 2h58m57s
